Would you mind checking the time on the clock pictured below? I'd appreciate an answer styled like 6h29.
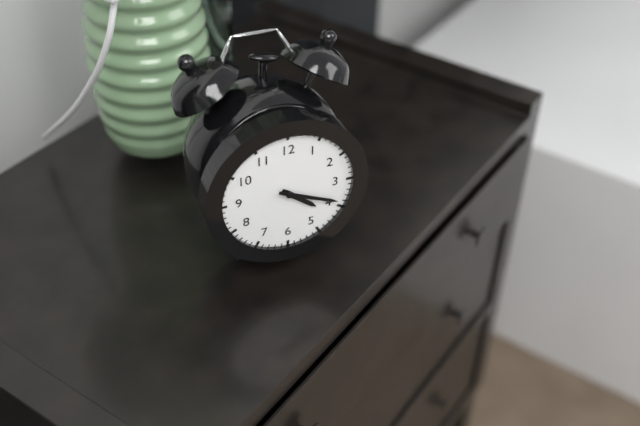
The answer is 4h19
